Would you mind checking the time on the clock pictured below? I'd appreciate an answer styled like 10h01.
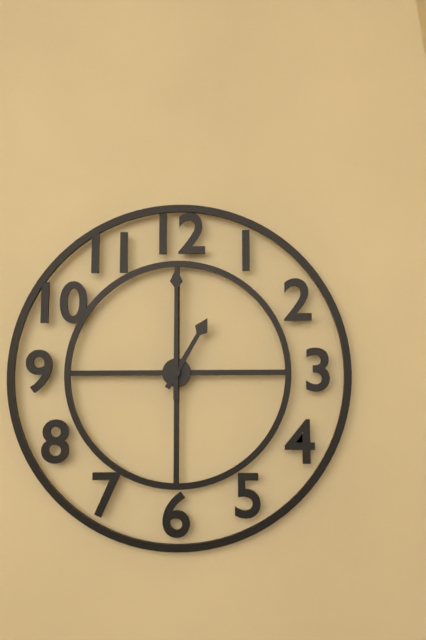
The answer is 1h00
